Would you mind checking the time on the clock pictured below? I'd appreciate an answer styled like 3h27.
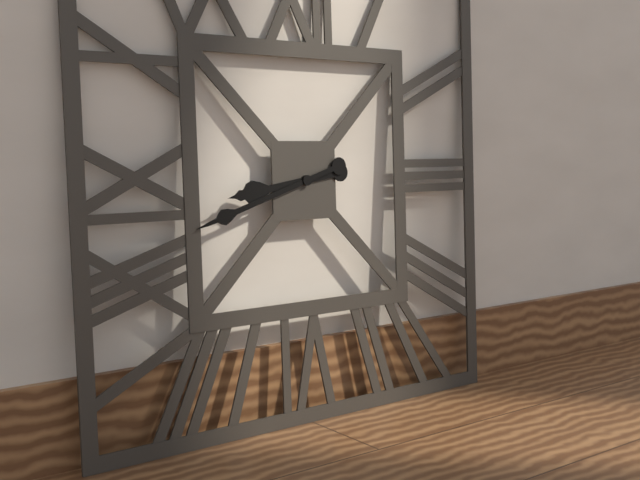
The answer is 8h42
